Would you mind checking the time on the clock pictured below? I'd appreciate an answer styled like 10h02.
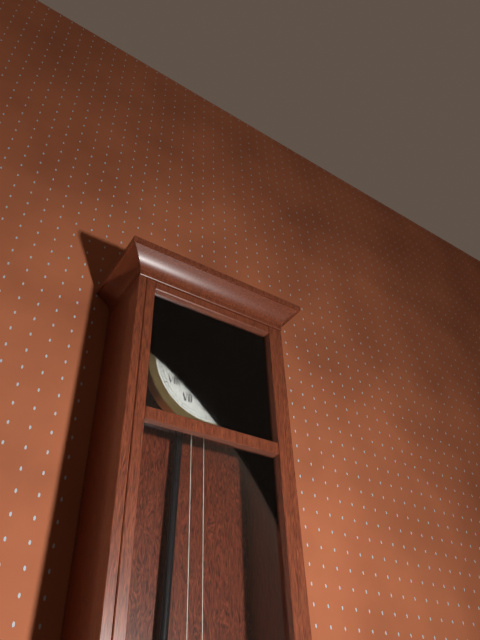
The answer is 8h02
